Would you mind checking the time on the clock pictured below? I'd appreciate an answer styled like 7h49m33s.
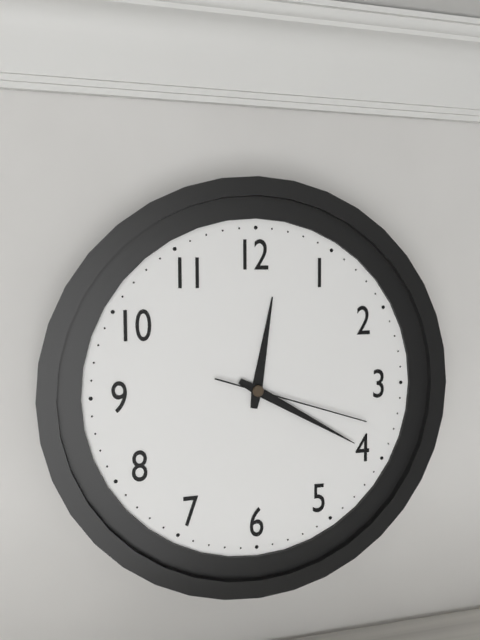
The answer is 12h20m18s
